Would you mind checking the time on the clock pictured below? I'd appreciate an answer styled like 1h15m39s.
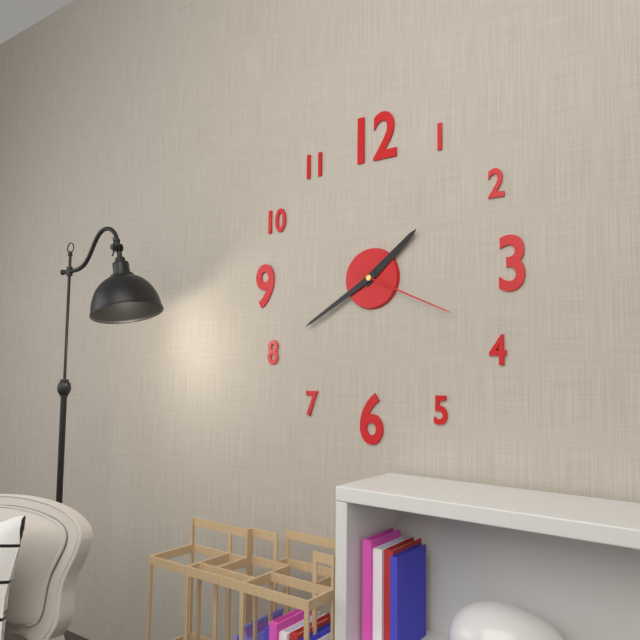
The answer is 1h40m19s
